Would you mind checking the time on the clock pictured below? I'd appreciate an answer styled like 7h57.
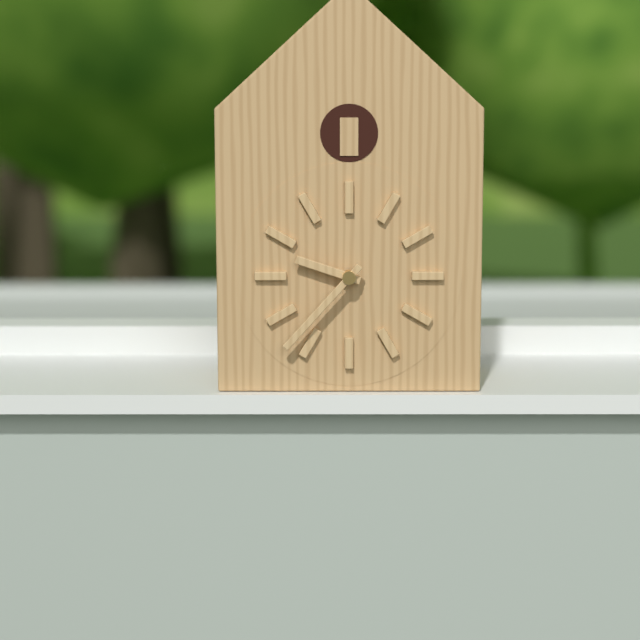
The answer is 9h37
